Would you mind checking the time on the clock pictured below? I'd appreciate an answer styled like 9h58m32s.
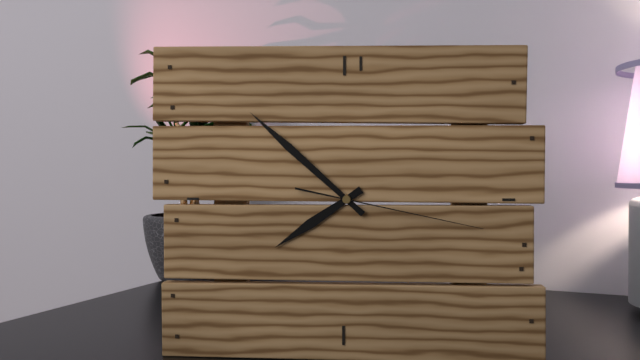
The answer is 7h52m17s
